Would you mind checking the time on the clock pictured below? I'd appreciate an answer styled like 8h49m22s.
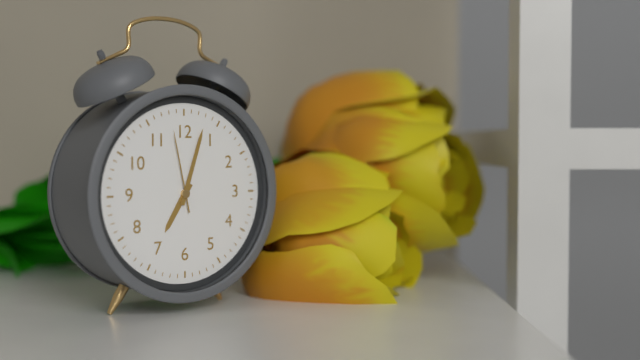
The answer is 7h03m58s
